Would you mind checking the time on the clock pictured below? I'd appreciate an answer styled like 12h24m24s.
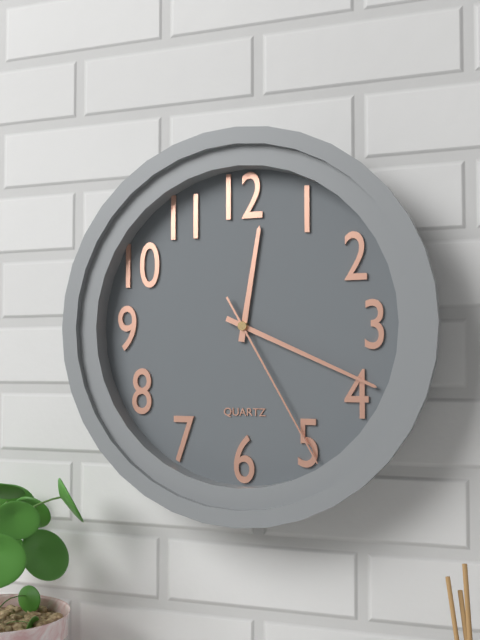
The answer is 12h19m25s
